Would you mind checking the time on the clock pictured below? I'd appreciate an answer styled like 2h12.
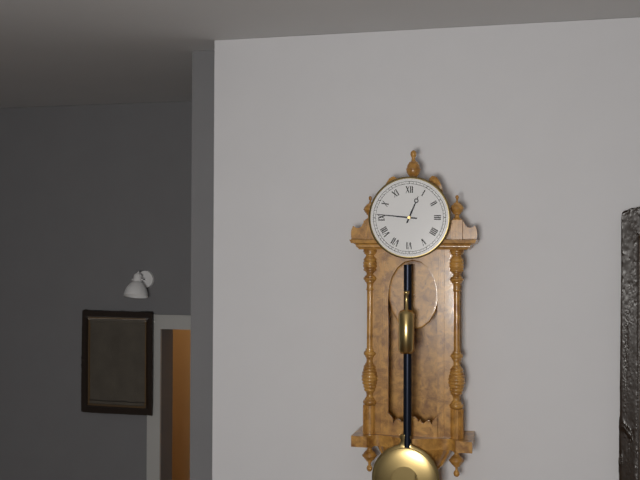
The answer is 12h46
